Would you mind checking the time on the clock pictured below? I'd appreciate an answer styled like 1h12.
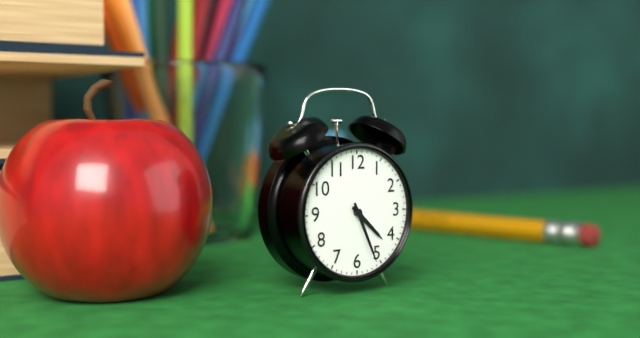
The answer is 4h26
